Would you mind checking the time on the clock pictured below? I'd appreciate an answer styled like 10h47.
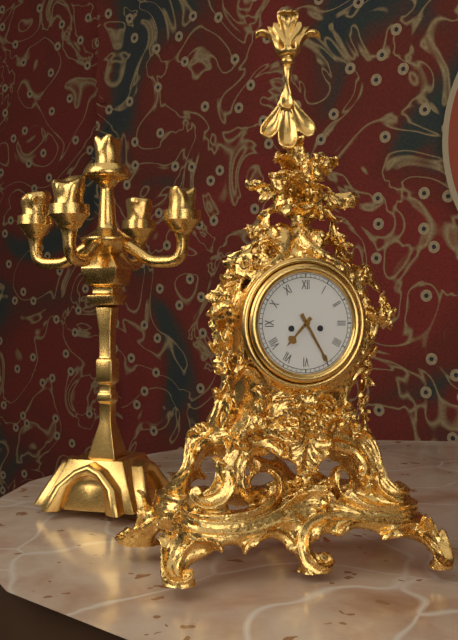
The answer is 7h25
